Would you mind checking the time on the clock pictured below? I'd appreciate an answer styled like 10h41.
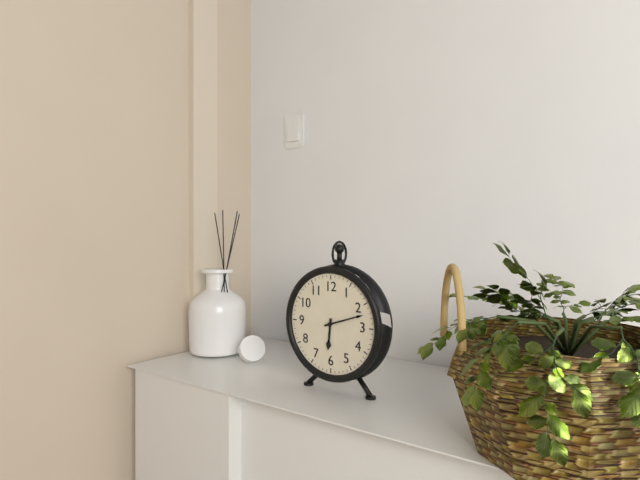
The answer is 6h12
